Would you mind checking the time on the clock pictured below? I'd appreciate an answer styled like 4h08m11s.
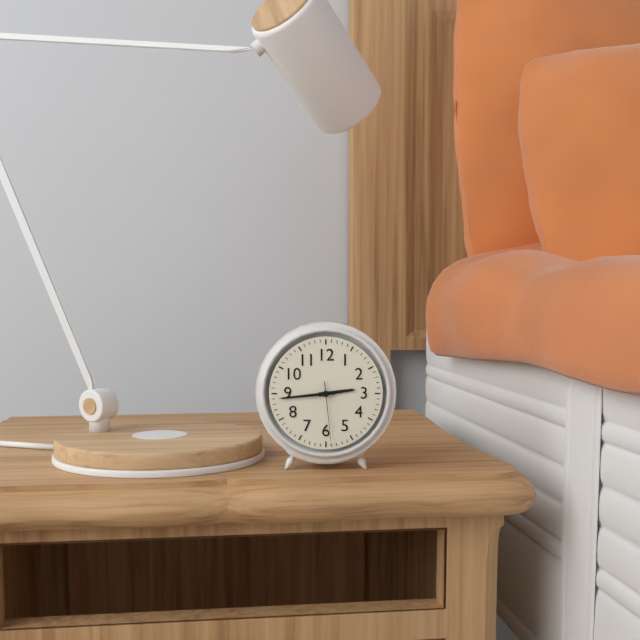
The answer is 2h44m29s
